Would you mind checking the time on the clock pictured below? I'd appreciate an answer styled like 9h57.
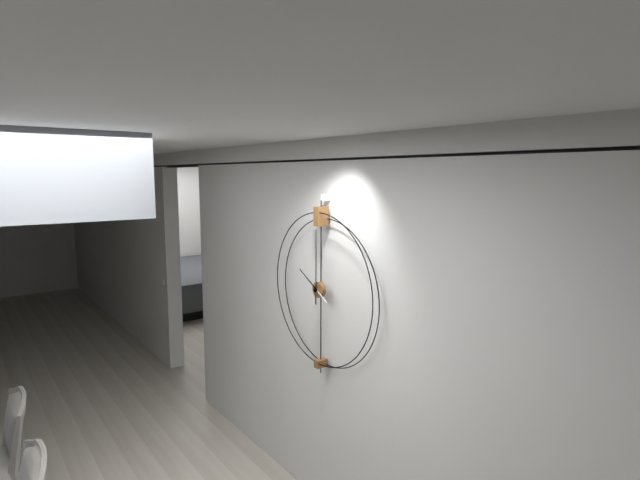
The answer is 10h00
